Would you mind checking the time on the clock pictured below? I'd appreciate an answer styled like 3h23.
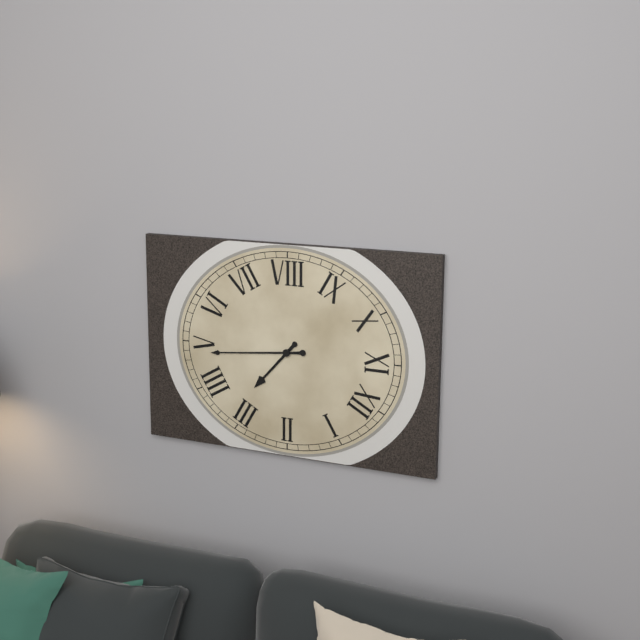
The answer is 3h24
